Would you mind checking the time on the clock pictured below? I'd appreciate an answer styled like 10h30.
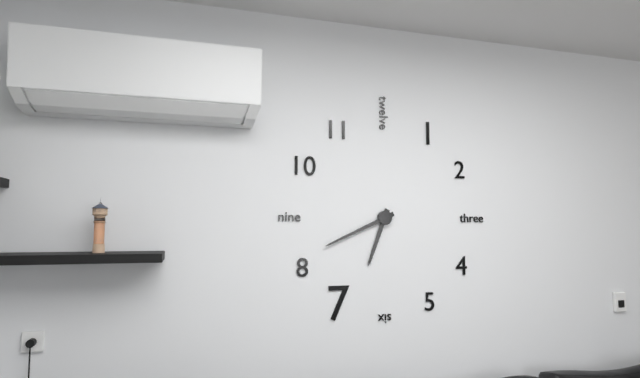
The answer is 6h41
